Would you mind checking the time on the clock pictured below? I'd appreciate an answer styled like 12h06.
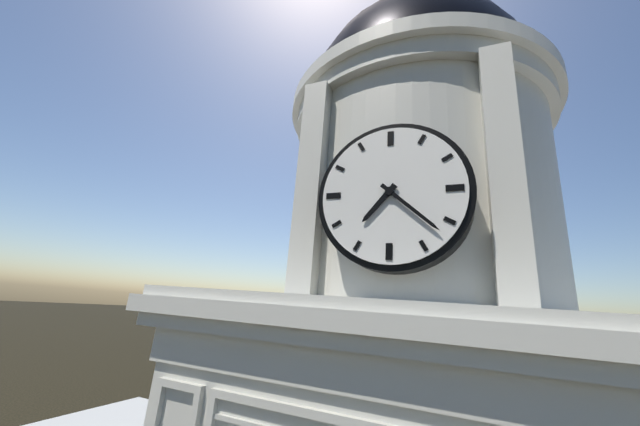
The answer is 7h22
